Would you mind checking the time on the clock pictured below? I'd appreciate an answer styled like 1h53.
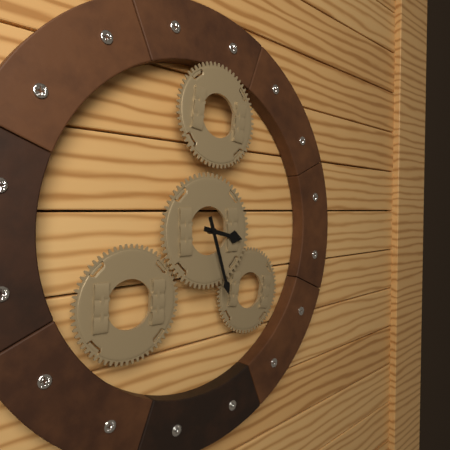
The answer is 3h27
